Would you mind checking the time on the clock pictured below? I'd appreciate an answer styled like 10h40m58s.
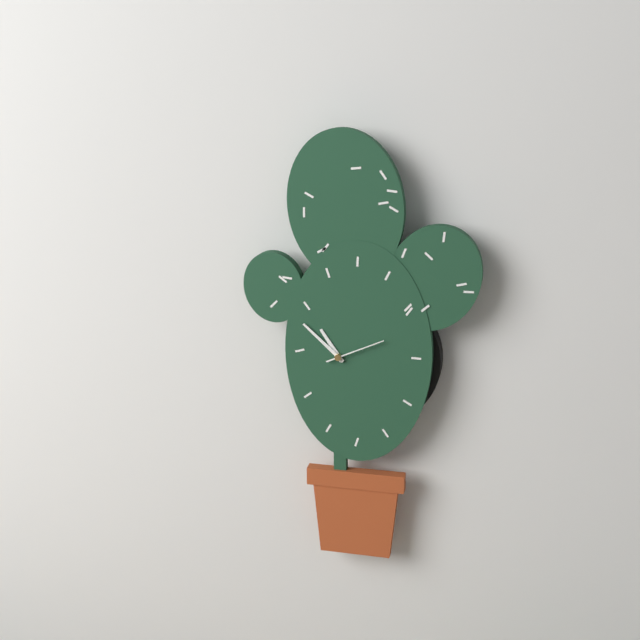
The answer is 10h52m11s
